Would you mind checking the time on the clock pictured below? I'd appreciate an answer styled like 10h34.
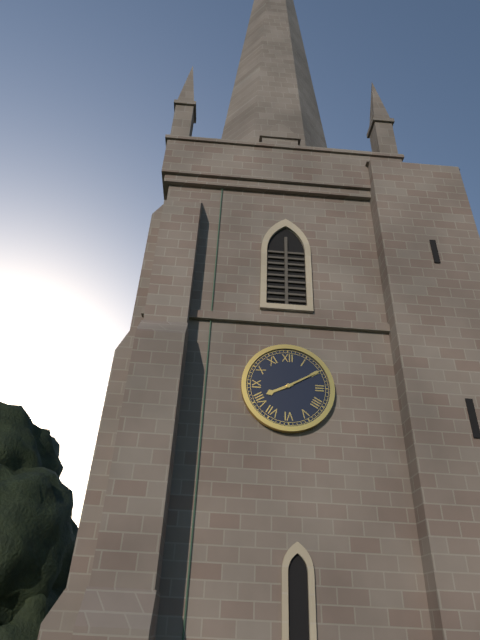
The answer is 8h10
